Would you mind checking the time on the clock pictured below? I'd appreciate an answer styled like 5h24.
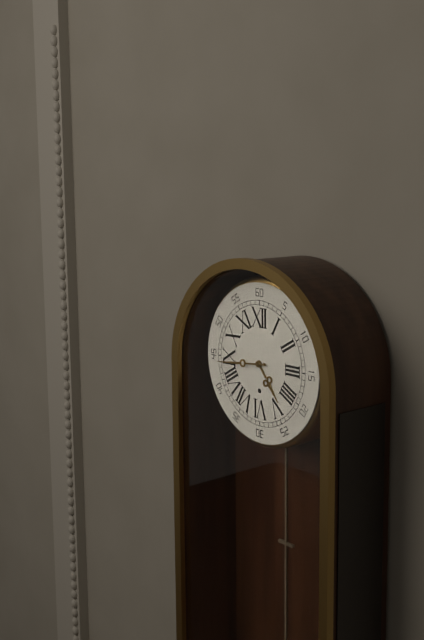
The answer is 4h44
